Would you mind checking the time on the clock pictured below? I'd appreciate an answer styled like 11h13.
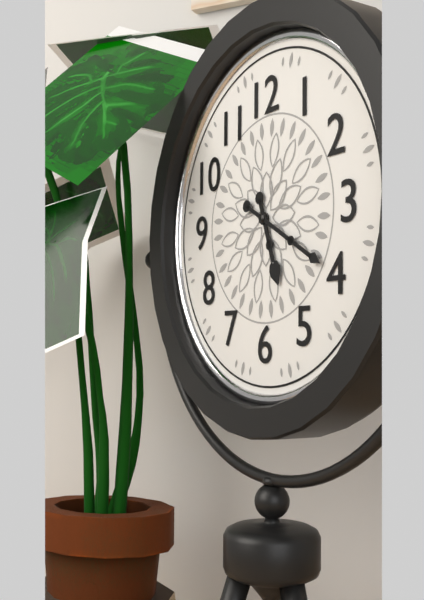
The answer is 5h20
